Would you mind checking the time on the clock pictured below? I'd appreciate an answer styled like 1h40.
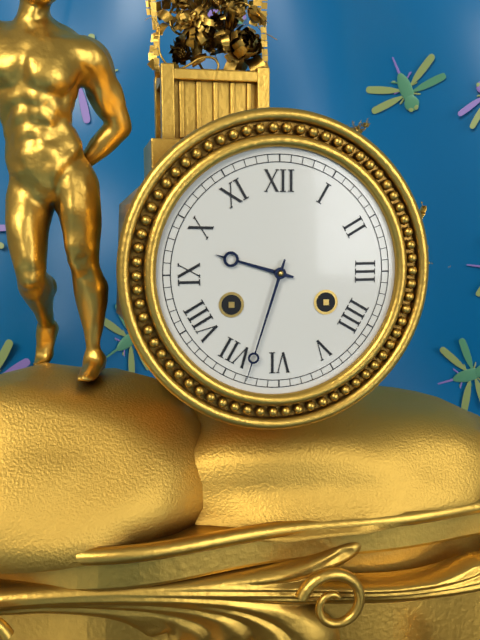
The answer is 9h33
